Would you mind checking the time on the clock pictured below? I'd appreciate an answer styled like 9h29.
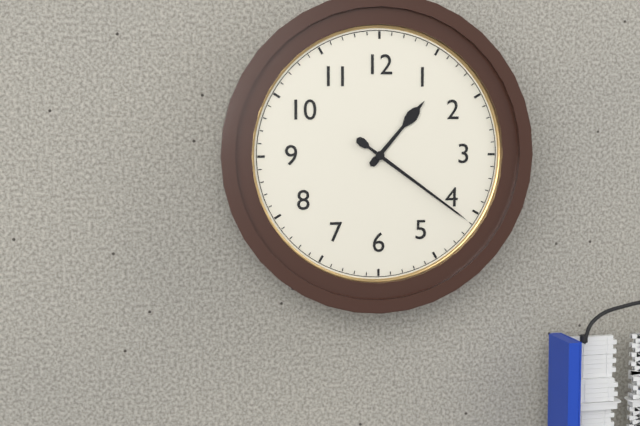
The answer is 1h21
